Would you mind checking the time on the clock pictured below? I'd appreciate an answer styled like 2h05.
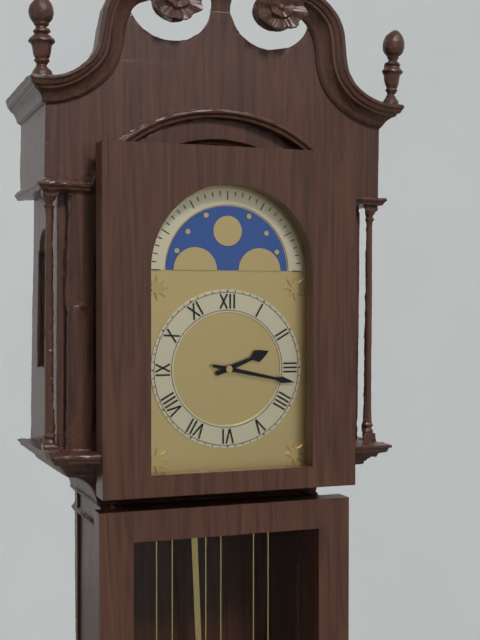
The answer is 2h17
